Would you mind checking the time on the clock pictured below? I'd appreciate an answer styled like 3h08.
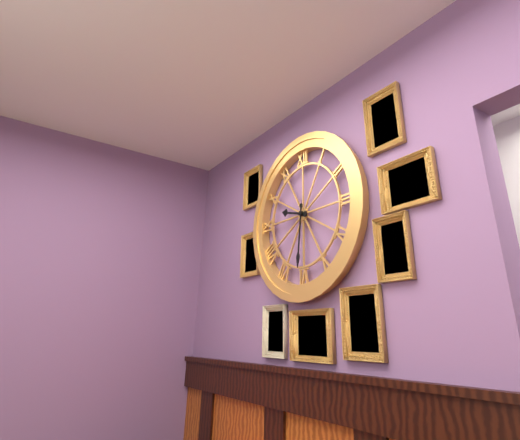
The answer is 9h31
